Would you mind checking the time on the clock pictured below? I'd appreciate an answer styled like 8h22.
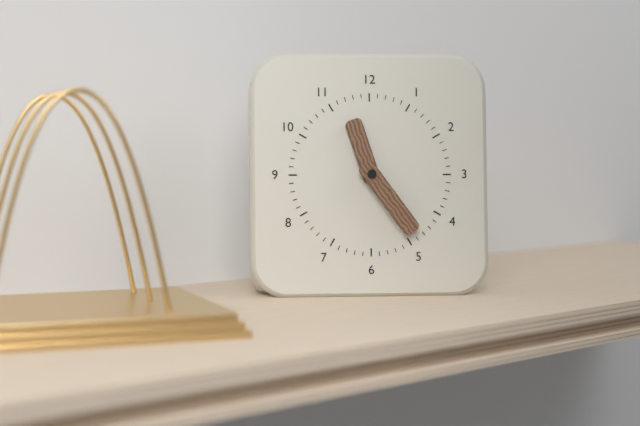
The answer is 11h24
